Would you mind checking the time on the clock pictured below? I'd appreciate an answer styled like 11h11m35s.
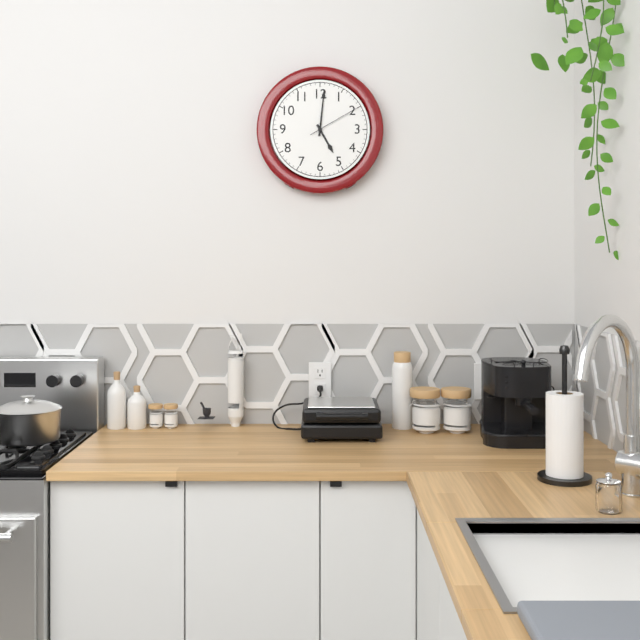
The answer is 5h01m10s
